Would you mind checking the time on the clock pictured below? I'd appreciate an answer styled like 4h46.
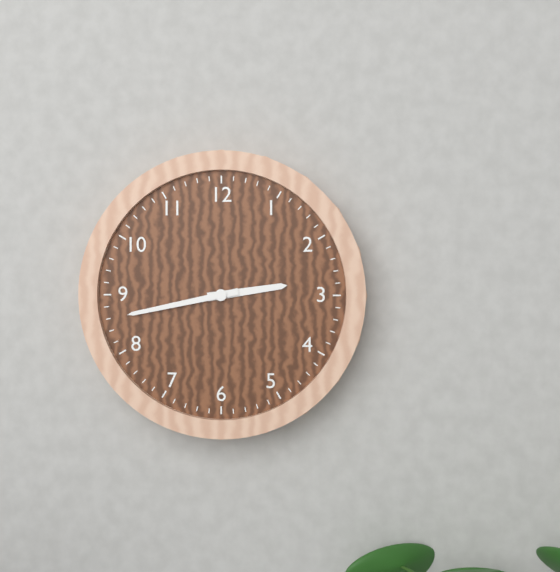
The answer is 2h43
